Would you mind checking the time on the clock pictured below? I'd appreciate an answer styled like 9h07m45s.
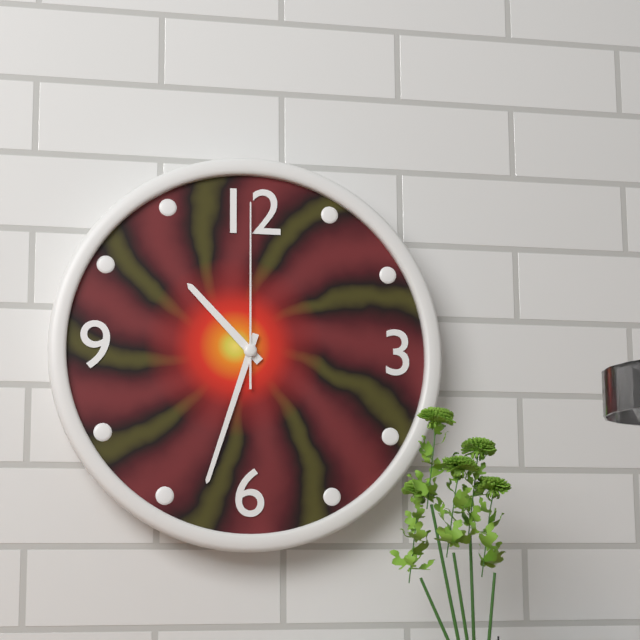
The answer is 10h33m00s
